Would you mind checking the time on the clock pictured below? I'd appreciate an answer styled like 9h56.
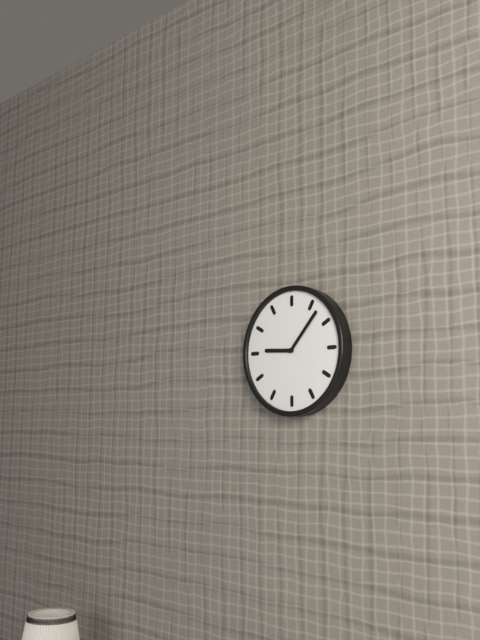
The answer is 9h07
